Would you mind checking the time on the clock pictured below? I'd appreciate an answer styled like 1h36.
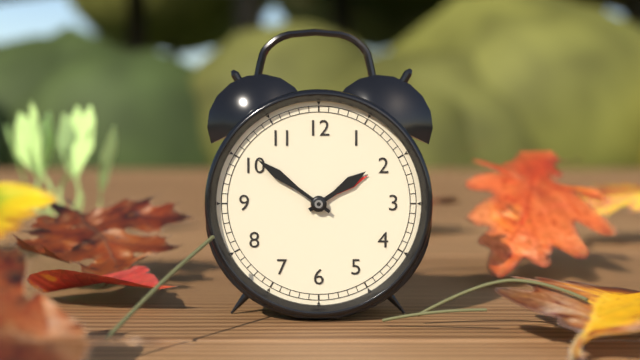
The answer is 1h51
